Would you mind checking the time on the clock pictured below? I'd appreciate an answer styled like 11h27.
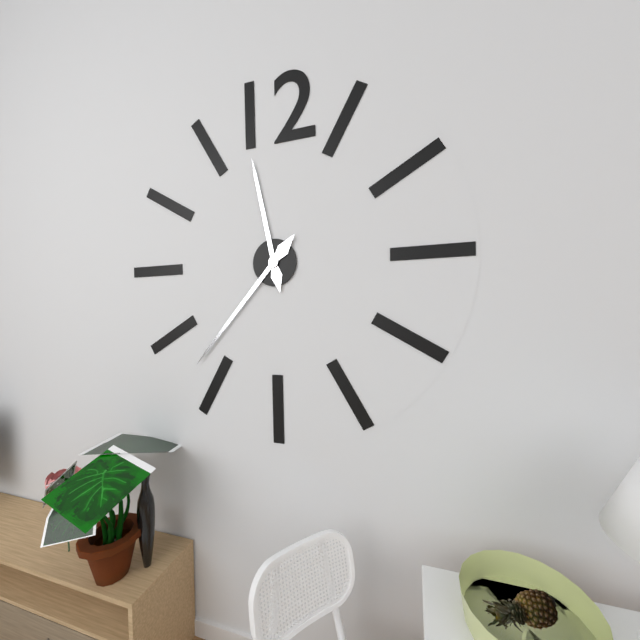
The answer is 11h37
